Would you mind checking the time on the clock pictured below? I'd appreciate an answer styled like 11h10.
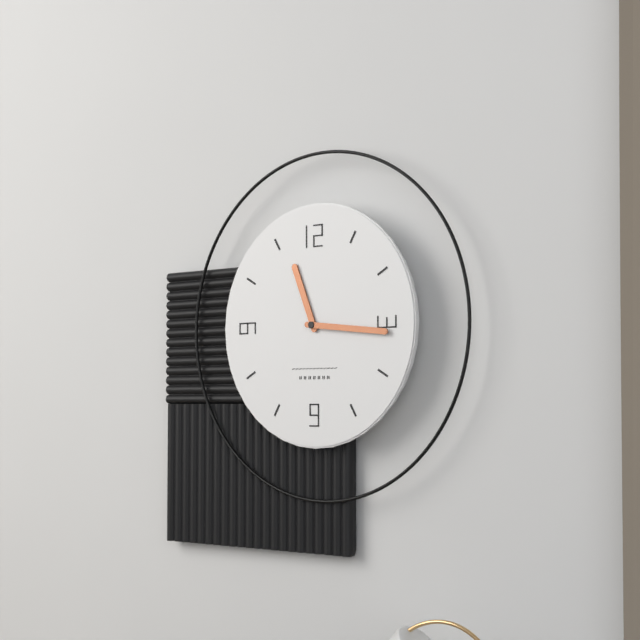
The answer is 11h16
